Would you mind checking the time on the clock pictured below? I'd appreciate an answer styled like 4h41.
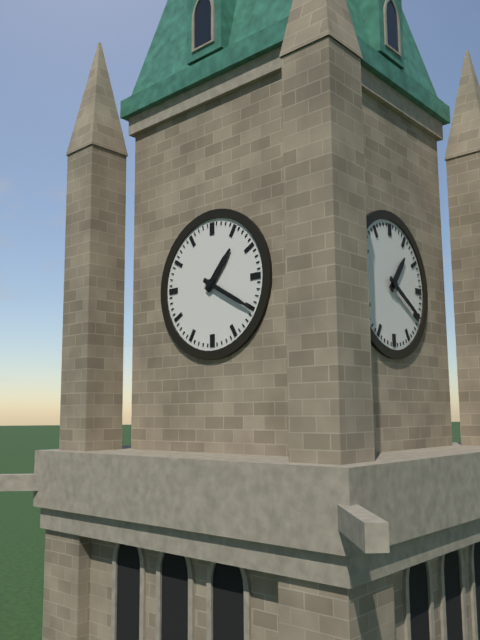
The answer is 1h20
